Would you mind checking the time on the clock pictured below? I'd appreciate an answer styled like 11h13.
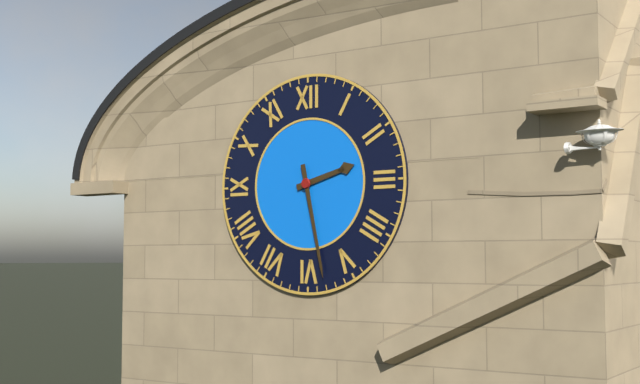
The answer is 2h28
